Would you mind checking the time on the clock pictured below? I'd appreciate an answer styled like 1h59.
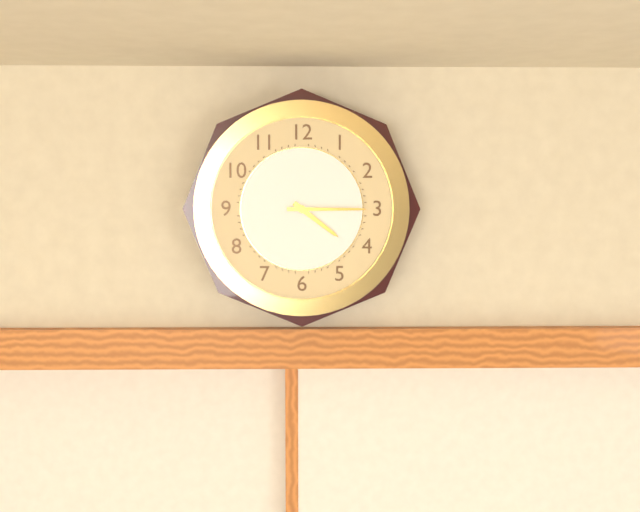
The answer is 4h15
